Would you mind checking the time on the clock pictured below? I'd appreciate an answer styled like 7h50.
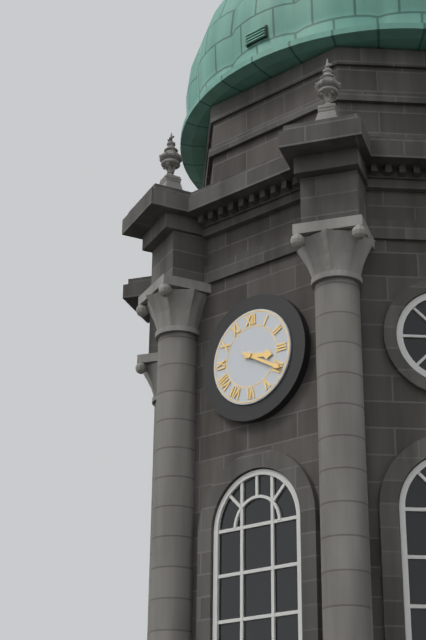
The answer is 3h20
